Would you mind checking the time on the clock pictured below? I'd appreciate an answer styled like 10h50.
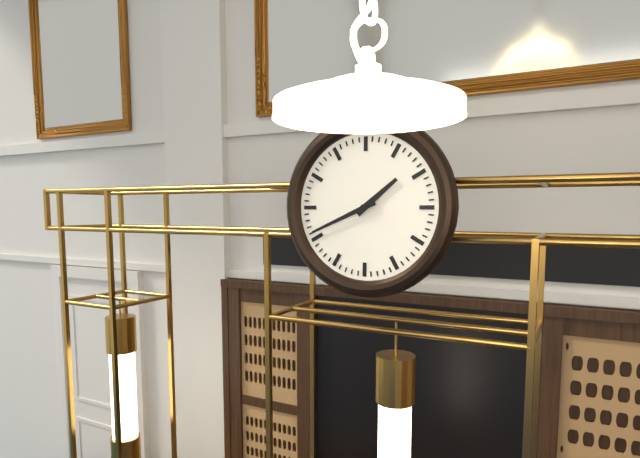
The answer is 1h41
